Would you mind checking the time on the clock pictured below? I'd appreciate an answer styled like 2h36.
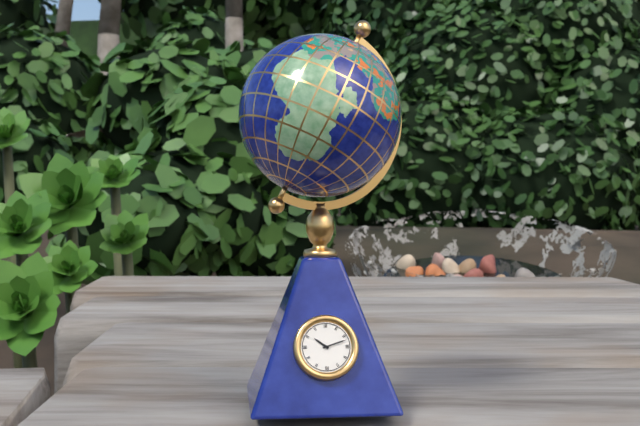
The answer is 10h12
